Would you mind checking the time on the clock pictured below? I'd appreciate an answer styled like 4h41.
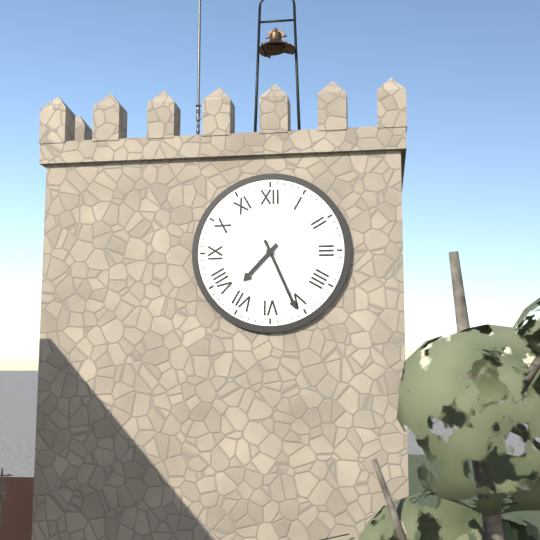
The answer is 7h26
